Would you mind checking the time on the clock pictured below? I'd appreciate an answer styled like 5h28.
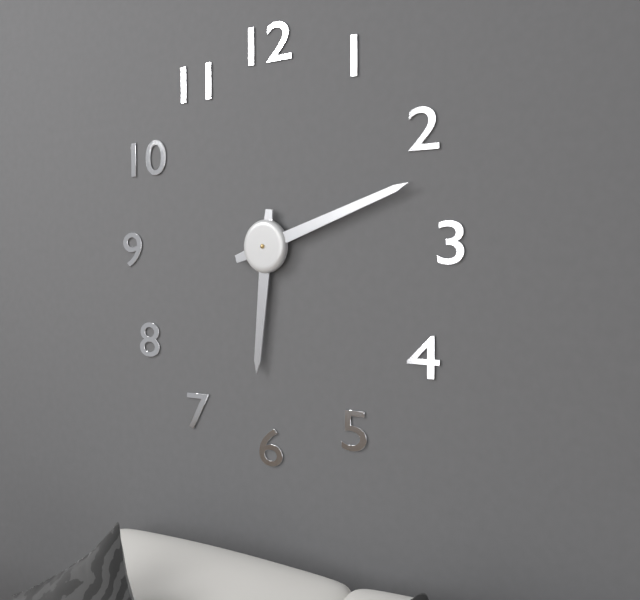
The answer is 6h12
